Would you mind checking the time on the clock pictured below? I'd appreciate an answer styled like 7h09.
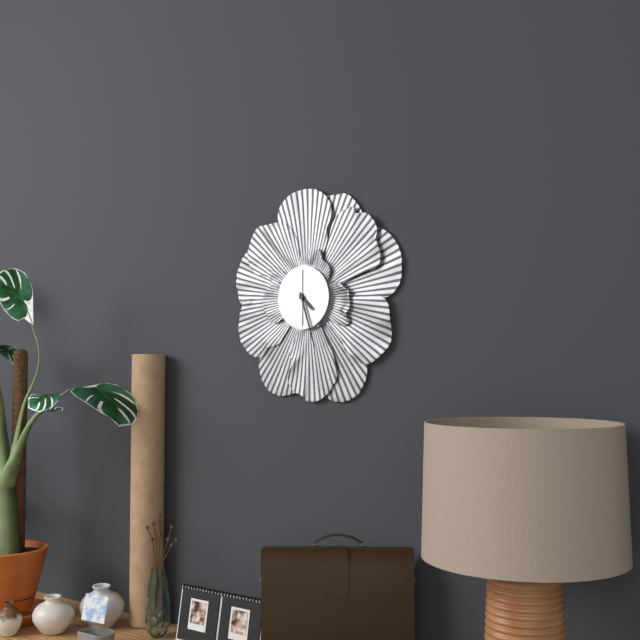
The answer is 4h27
